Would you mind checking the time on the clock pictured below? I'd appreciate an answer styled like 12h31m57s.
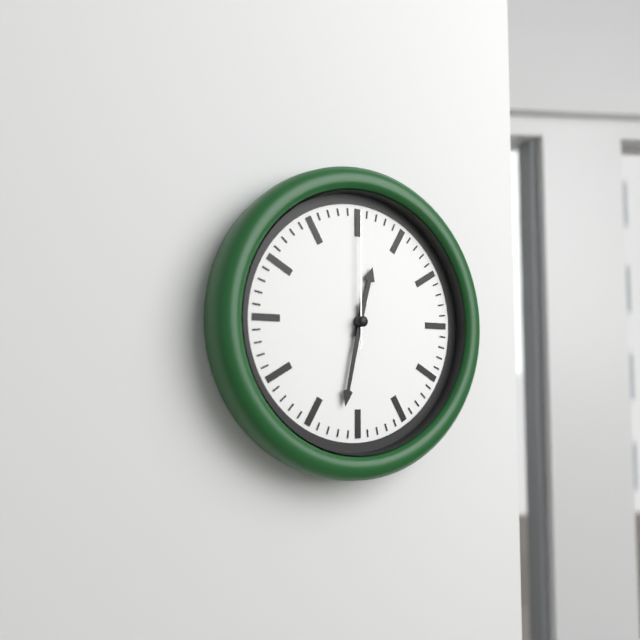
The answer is 12h32m00s
